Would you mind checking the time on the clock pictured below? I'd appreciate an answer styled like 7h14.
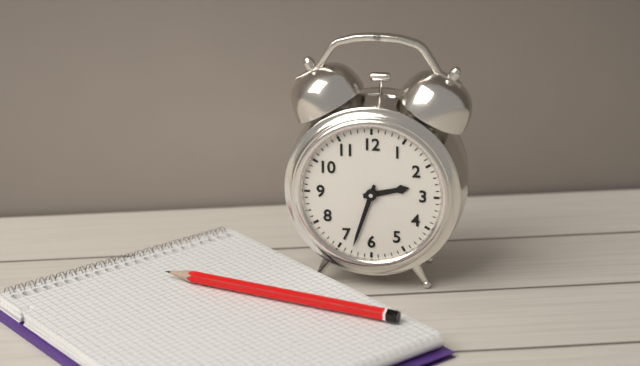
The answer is 2h33
